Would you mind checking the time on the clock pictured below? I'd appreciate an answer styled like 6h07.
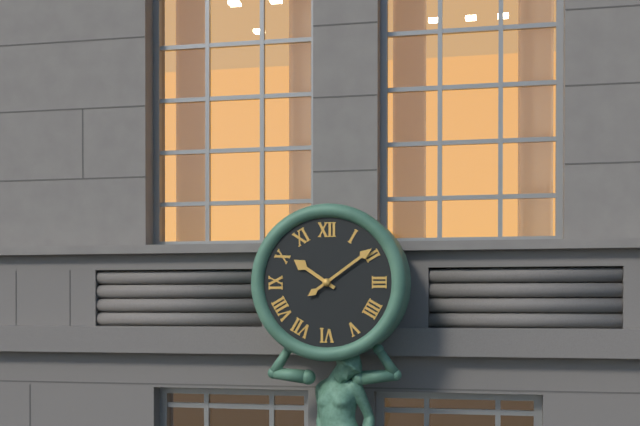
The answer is 10h09
